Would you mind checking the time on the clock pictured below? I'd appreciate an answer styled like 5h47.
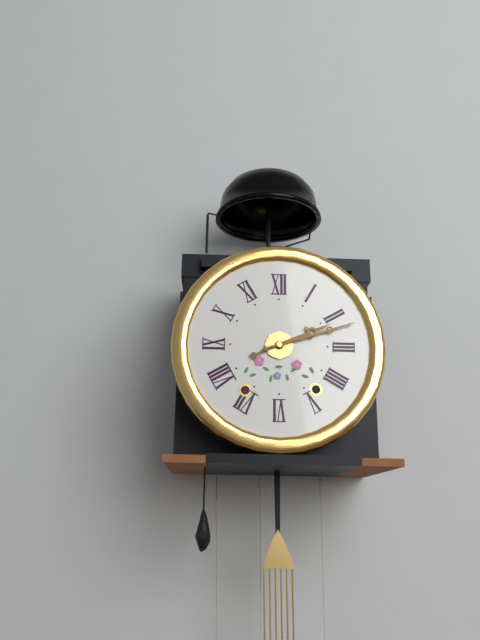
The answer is 2h12
